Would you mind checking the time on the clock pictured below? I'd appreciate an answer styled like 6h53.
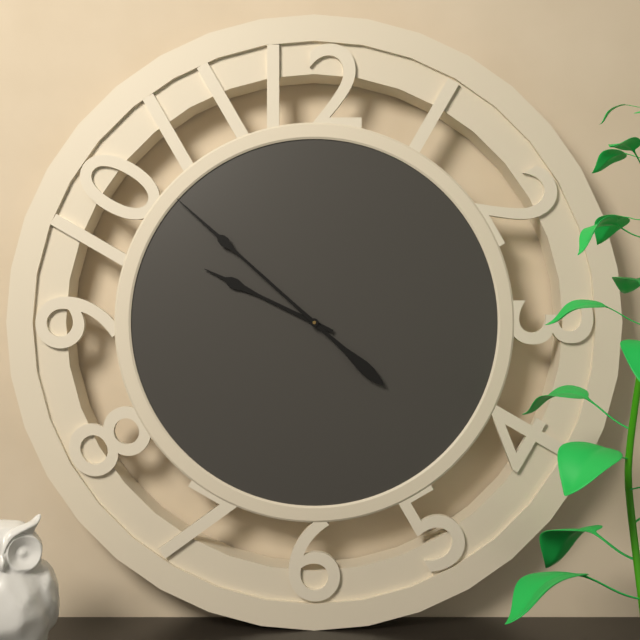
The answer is 9h52
